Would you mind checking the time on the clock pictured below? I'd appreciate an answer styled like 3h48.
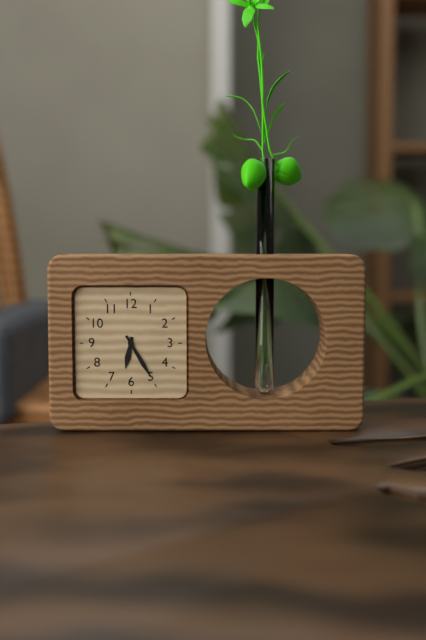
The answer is 6h25
